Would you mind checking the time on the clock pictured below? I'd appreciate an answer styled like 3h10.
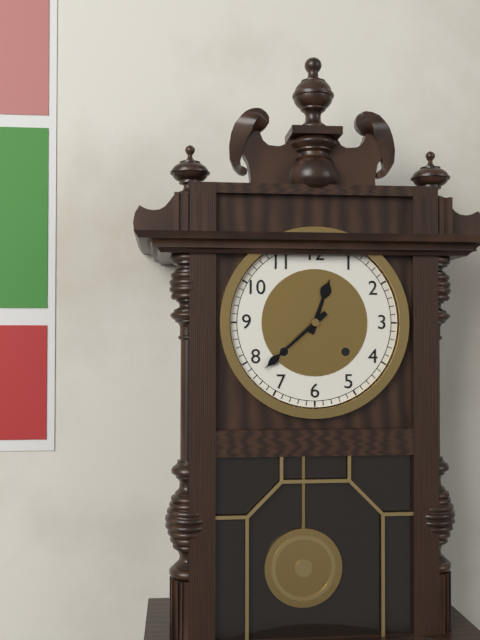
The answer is 12h38
